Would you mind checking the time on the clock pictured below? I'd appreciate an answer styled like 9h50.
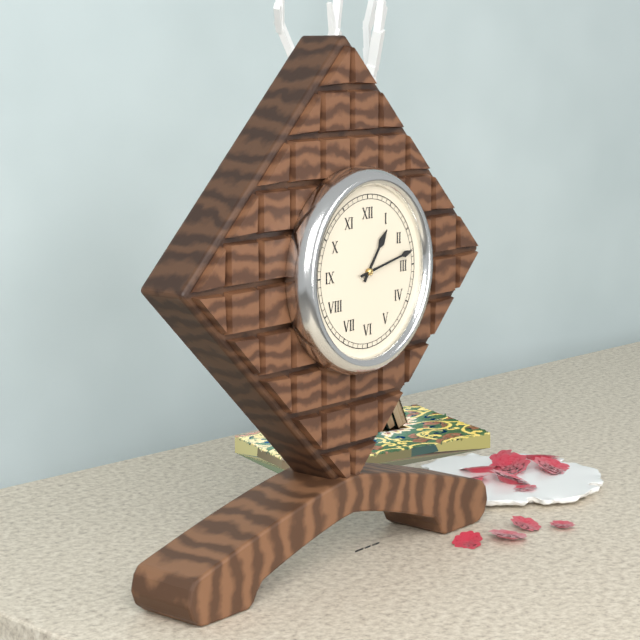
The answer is 1h13
